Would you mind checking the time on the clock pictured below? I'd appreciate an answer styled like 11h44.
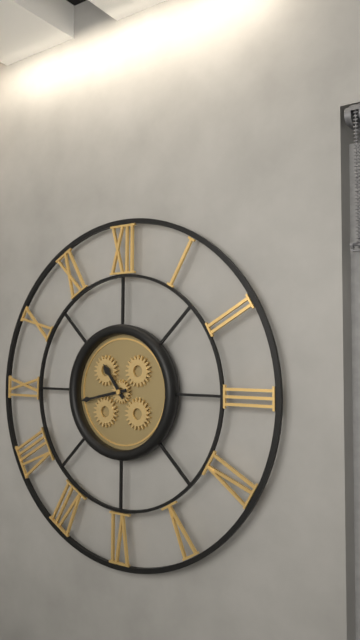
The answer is 10h43
